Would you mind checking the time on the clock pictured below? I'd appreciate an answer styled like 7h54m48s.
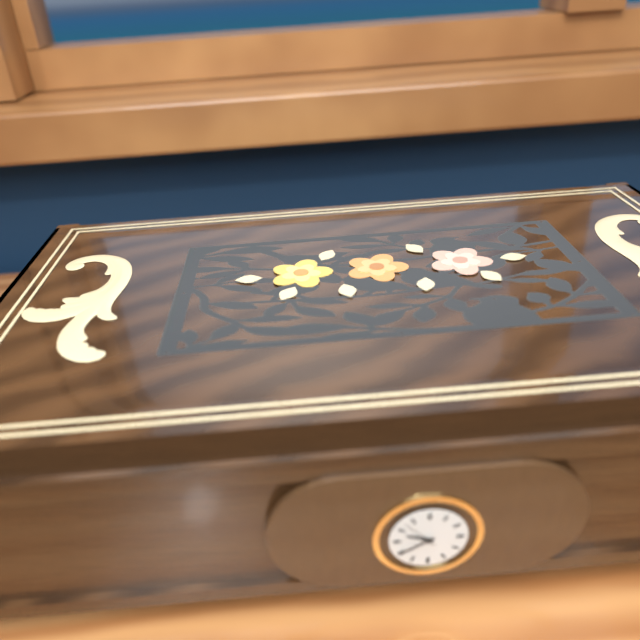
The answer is 9h40m53s
